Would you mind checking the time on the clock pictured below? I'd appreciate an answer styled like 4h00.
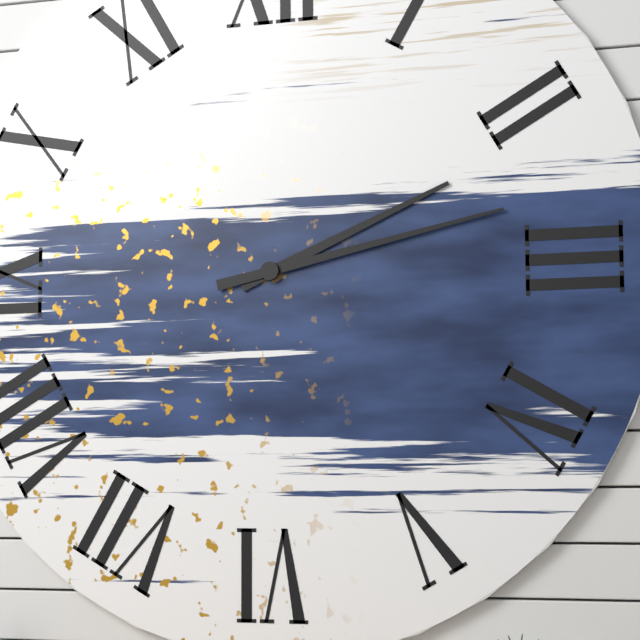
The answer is 2h13
